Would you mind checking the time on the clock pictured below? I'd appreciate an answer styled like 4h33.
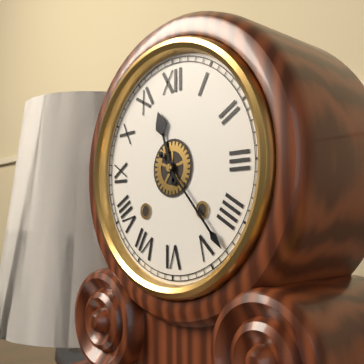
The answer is 11h23
